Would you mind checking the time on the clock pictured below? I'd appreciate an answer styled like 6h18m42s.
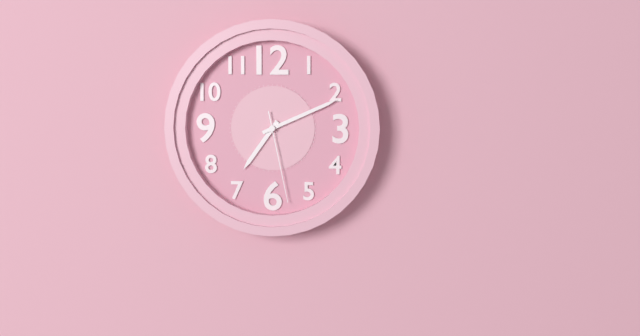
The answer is 7h11m28s
